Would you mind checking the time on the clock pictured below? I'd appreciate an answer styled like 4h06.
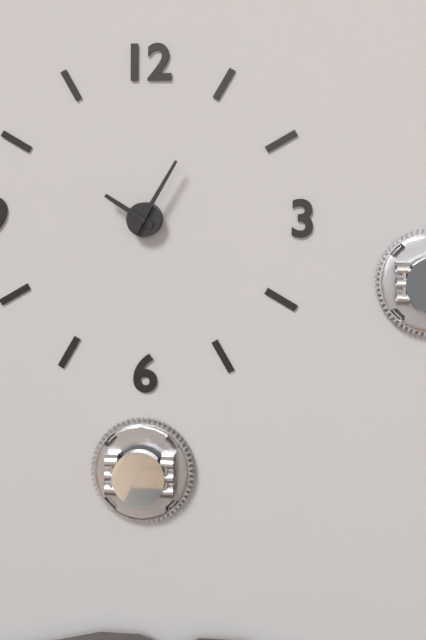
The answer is 10h05
